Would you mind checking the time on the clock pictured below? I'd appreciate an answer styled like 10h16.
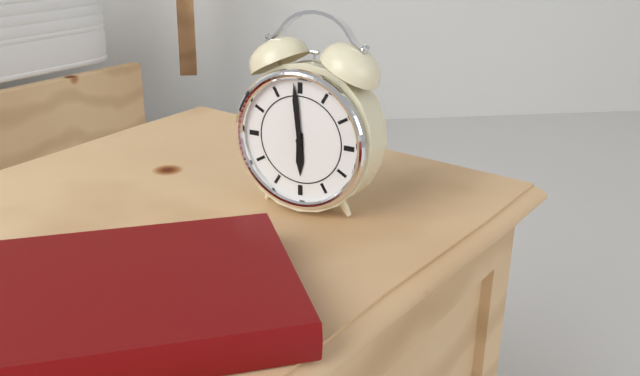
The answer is 5h59
